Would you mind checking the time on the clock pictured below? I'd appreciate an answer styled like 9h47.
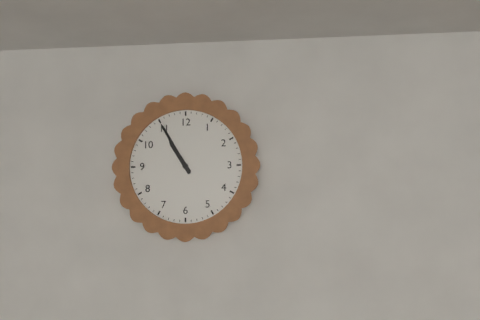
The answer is 10h55
